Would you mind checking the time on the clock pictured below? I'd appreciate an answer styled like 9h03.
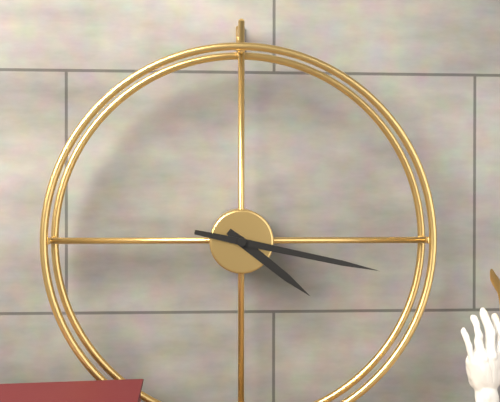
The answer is 4h17
